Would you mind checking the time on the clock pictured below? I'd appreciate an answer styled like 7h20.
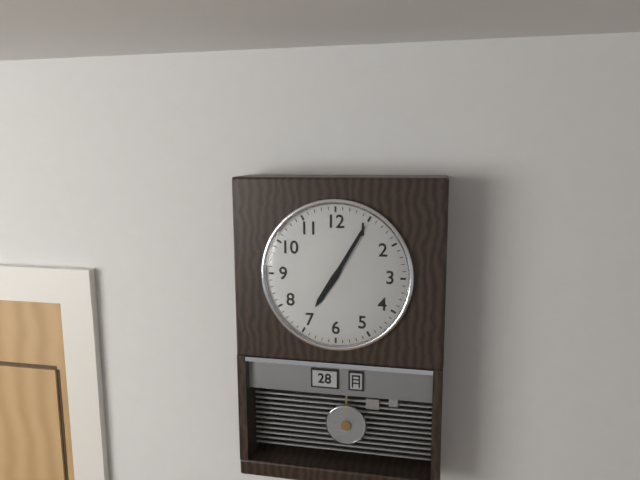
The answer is 7h05
